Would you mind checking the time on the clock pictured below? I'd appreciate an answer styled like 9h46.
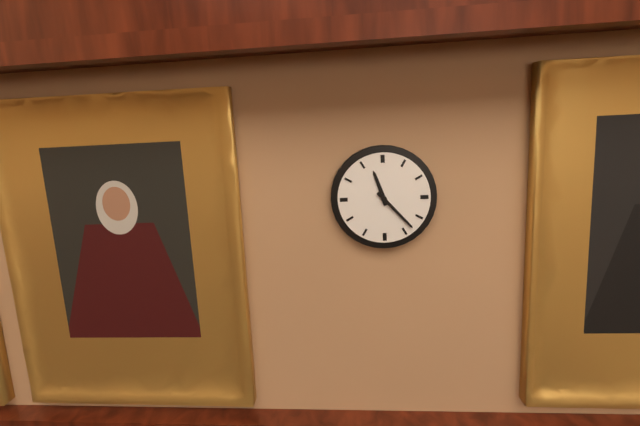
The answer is 11h23
